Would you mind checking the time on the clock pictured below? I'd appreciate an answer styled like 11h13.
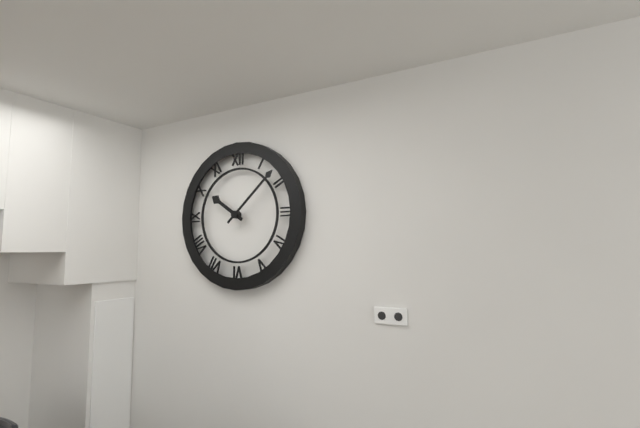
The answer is 10h08
